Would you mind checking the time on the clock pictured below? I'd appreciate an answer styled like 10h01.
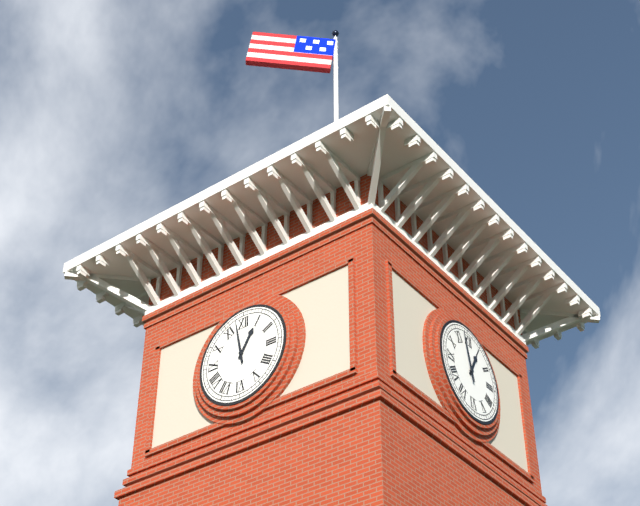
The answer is 12h58
